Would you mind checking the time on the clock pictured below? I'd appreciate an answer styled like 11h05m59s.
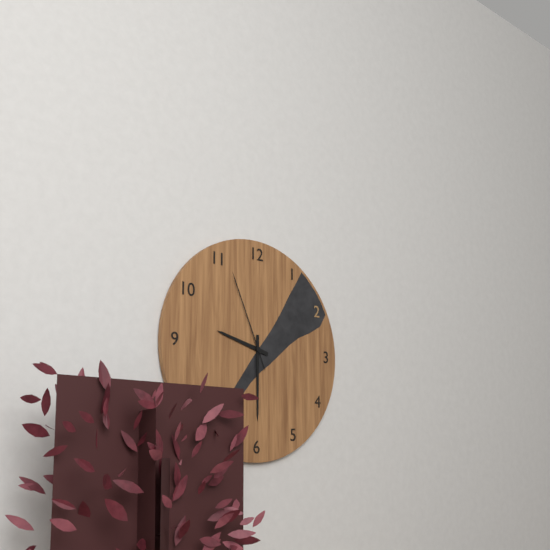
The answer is 9h30m56s
